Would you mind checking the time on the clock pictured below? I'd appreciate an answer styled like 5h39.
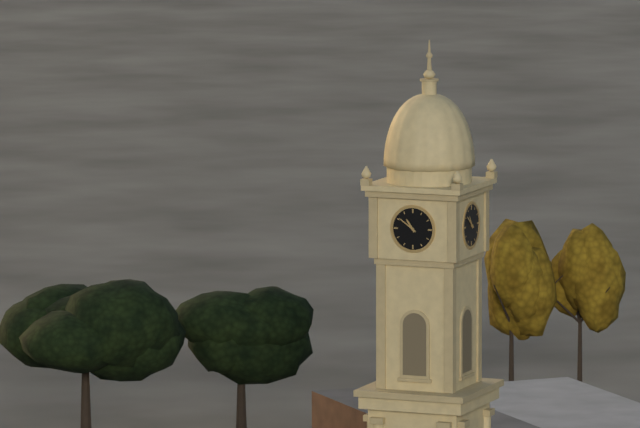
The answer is 10h51
